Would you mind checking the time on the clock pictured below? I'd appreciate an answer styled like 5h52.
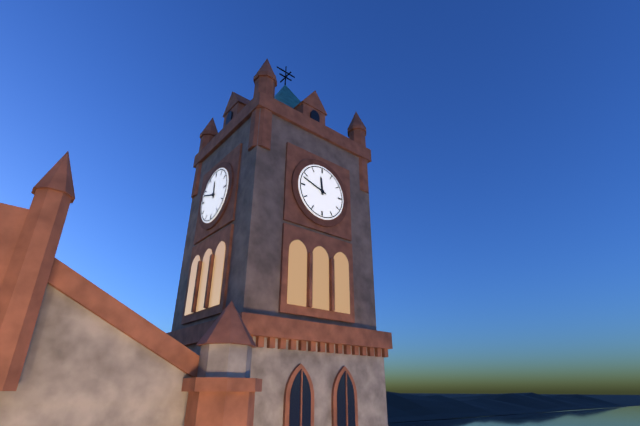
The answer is 11h48
